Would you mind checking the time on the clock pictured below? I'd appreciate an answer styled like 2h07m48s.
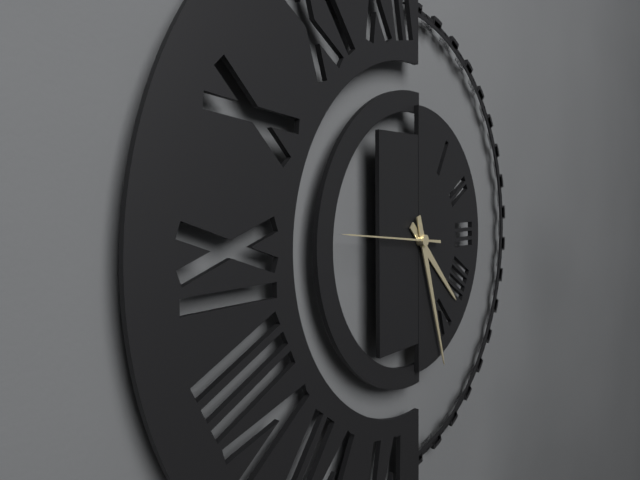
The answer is 4h27m46s
